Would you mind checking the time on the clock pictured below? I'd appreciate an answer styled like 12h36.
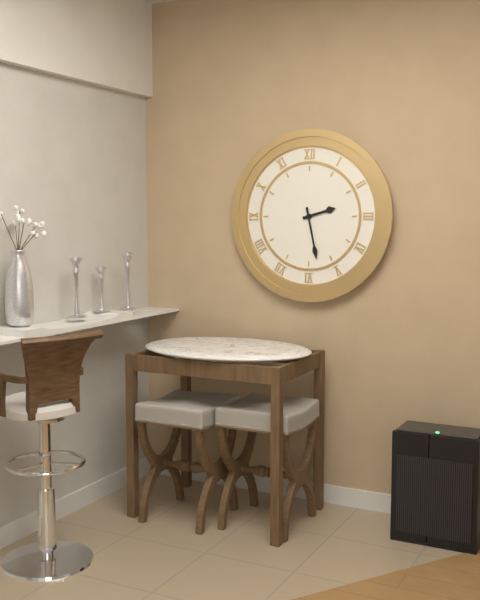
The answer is 2h28
